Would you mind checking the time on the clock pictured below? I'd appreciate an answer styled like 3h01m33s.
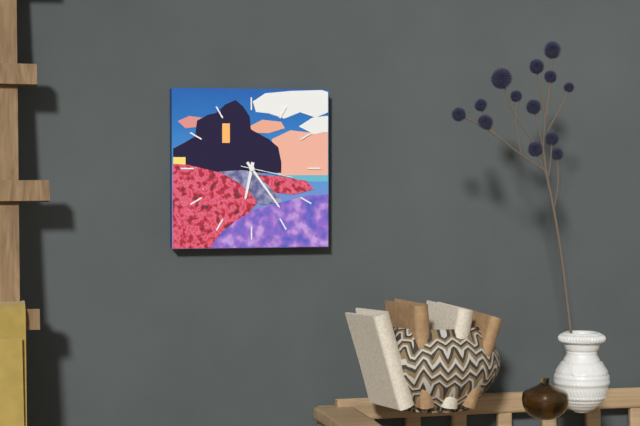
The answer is 6h24m17s
